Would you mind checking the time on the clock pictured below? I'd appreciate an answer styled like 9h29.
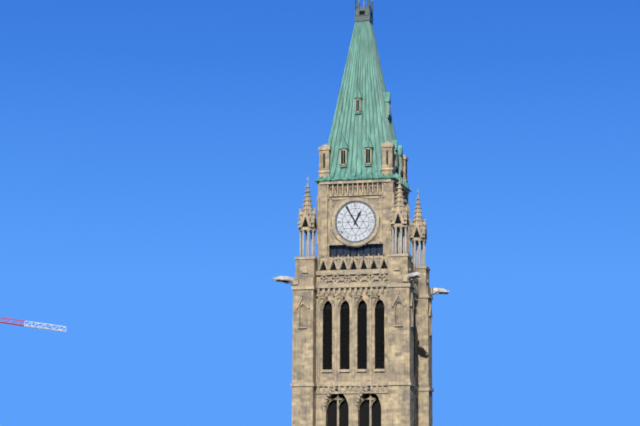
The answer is 12h55
